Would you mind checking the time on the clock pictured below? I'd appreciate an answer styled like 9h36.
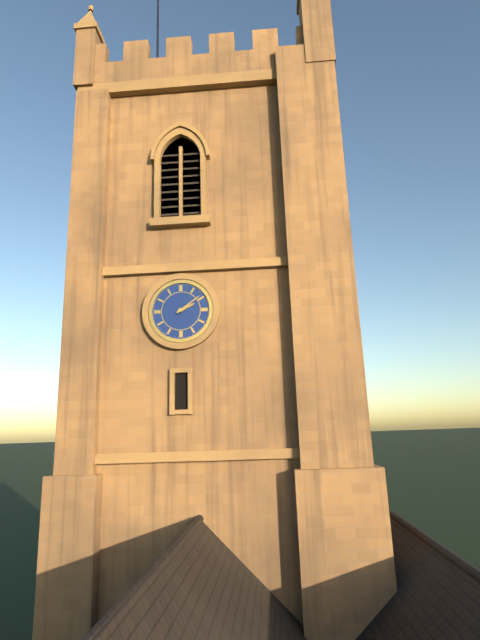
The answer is 2h09
